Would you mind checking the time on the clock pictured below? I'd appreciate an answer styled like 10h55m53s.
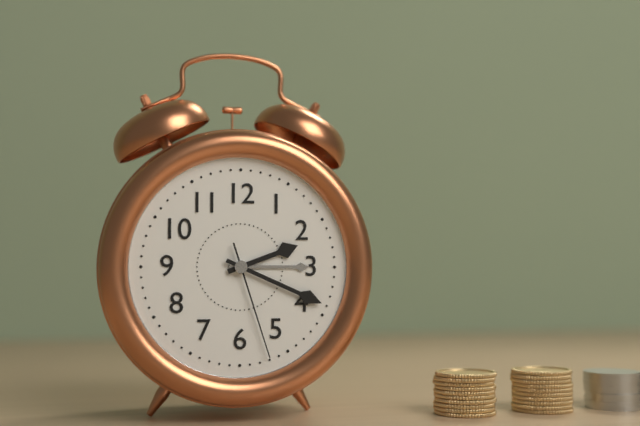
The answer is 2h19m27s
